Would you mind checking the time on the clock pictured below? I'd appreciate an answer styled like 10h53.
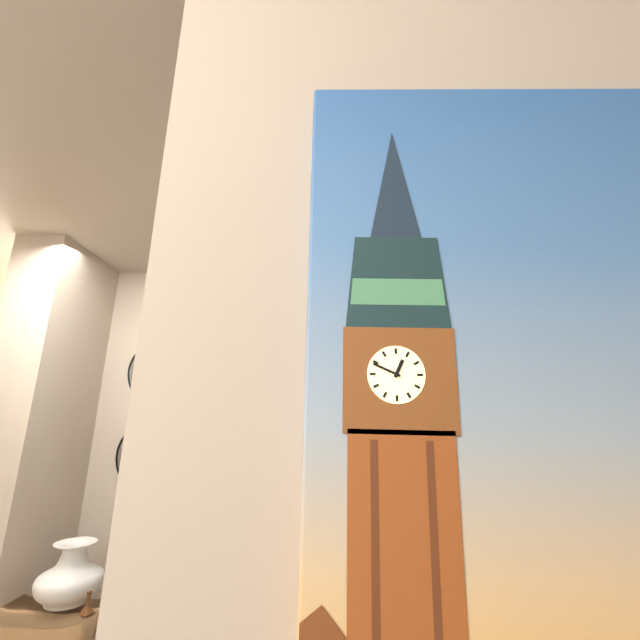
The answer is 12h49
